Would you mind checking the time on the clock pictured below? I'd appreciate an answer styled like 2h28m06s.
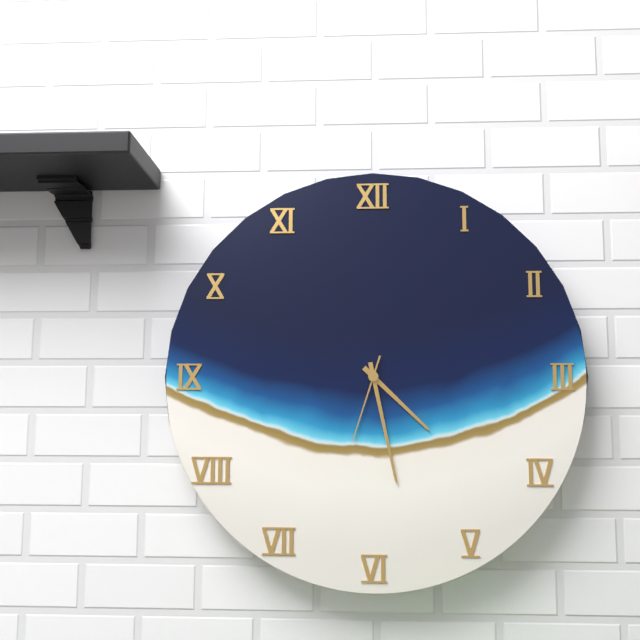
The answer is 4h28m33s
